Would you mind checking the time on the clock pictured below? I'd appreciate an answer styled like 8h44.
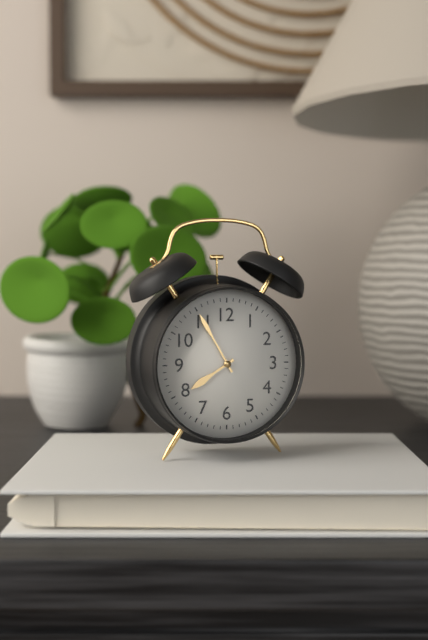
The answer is 7h55
